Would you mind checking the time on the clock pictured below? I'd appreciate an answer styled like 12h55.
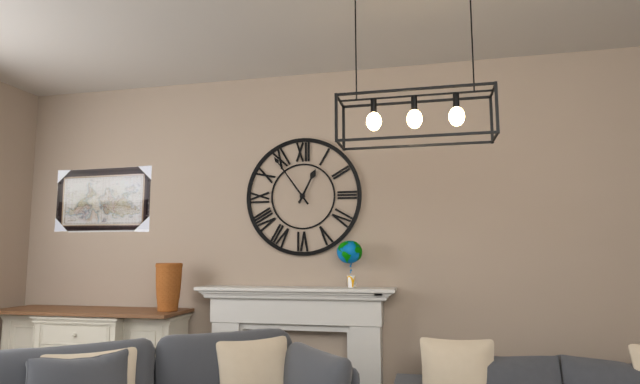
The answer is 12h54
